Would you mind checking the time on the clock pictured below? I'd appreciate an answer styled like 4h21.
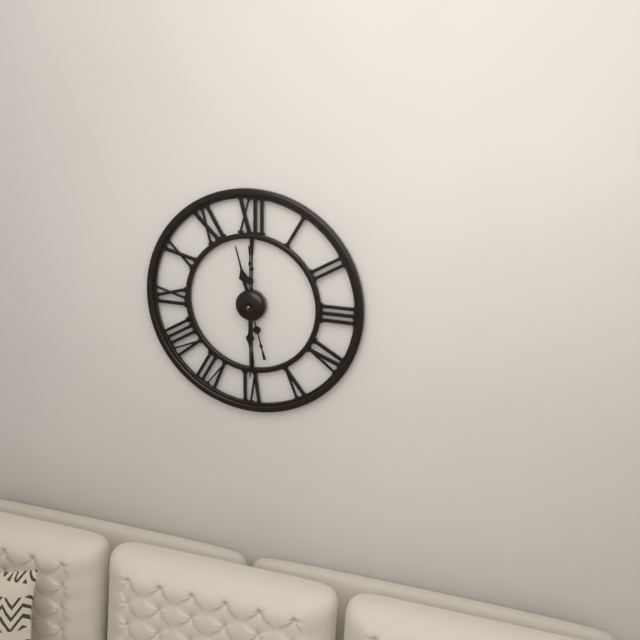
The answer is 11h30
